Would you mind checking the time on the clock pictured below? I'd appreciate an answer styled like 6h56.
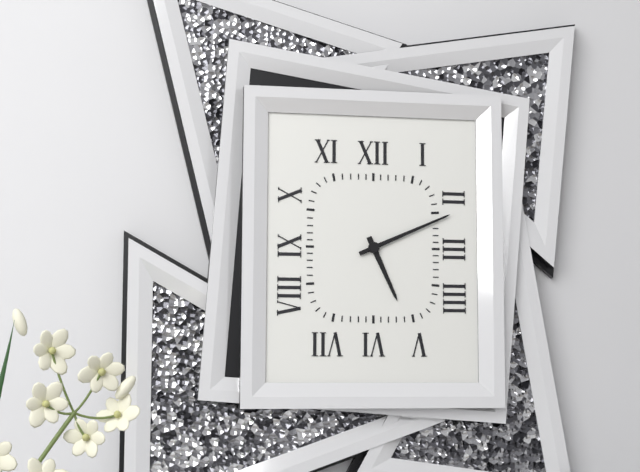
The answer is 5h11
